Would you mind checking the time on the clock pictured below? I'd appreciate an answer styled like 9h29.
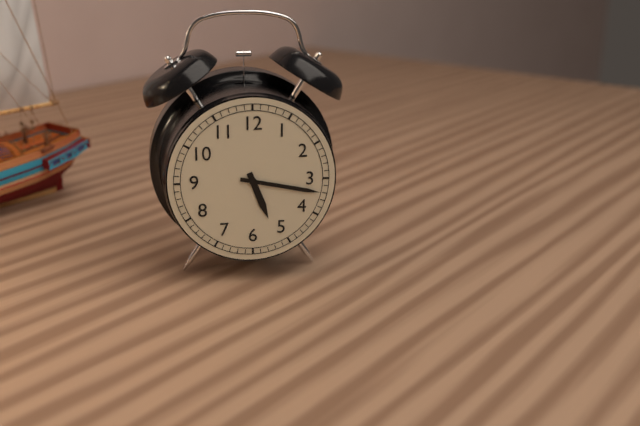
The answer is 5h17
